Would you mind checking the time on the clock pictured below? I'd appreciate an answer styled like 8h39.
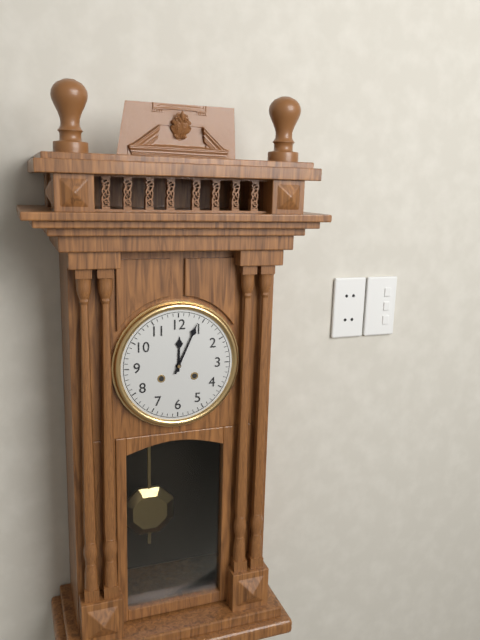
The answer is 12h04
